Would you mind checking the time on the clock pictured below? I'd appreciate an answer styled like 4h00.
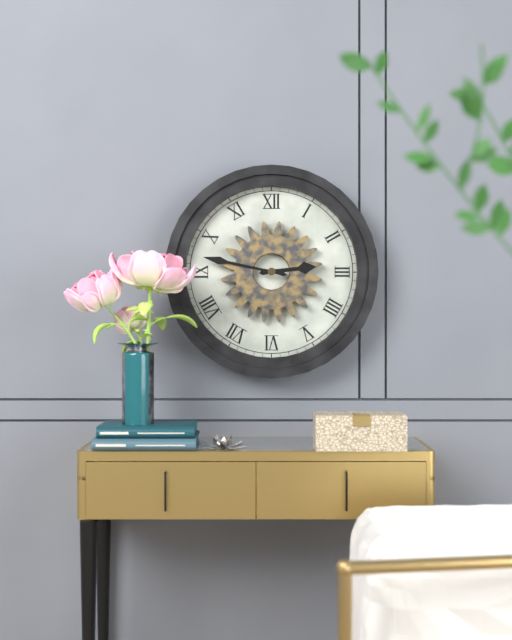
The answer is 2h47
